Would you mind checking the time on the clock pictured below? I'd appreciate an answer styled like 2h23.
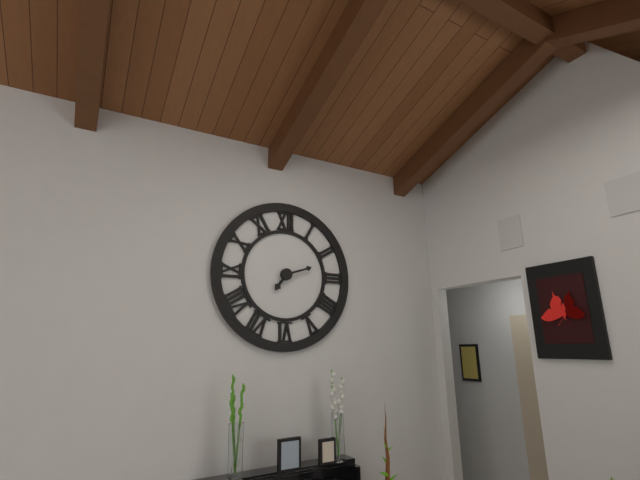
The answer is 7h12
